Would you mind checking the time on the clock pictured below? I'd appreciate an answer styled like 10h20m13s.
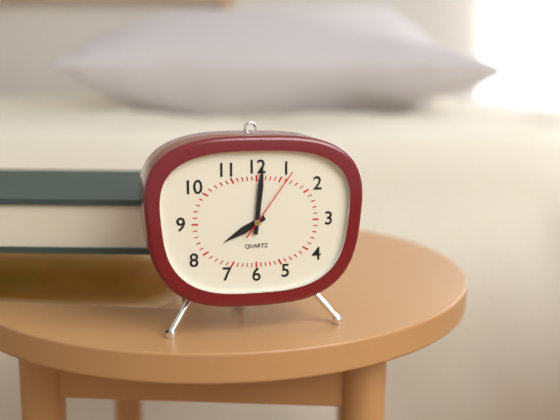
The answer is 8h01m06s
